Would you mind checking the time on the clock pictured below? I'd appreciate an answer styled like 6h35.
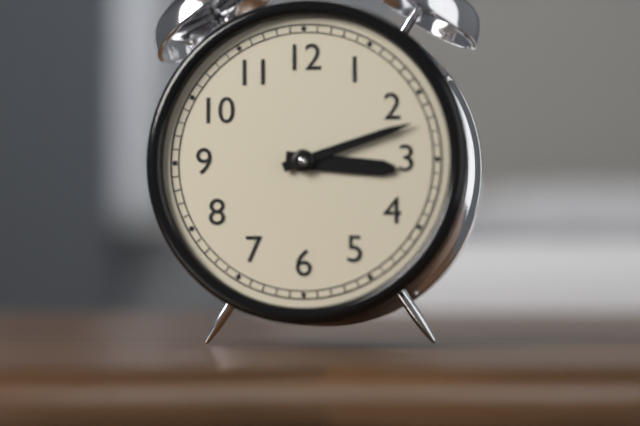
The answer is 3h12
